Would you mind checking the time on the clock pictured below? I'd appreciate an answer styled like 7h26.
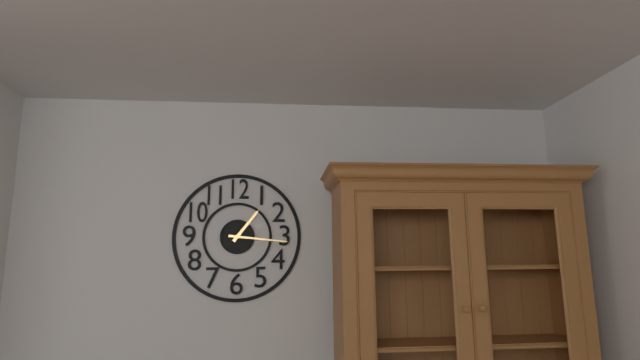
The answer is 1h16
